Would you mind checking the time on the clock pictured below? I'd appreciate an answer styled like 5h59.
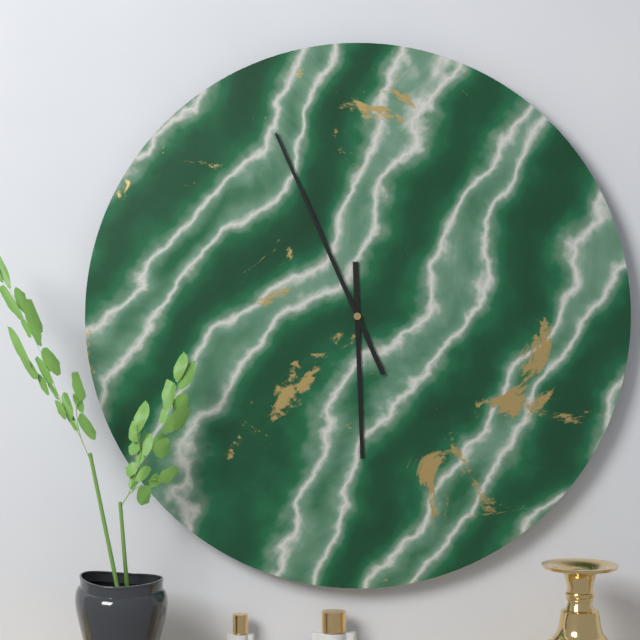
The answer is 5h56
